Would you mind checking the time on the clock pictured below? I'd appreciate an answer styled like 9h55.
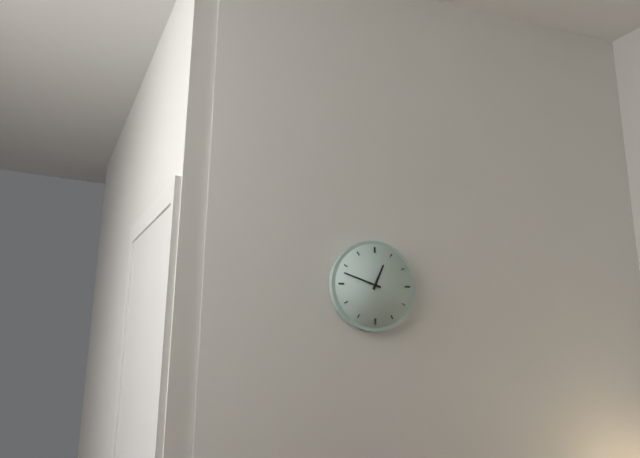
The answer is 12h48
